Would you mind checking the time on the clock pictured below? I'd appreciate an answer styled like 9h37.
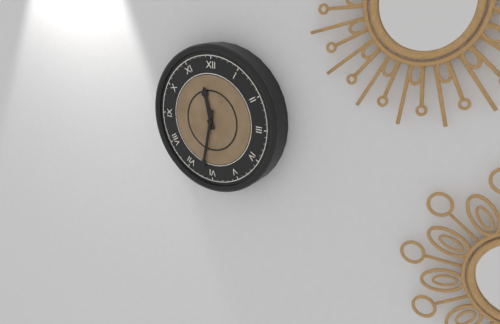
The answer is 11h32
